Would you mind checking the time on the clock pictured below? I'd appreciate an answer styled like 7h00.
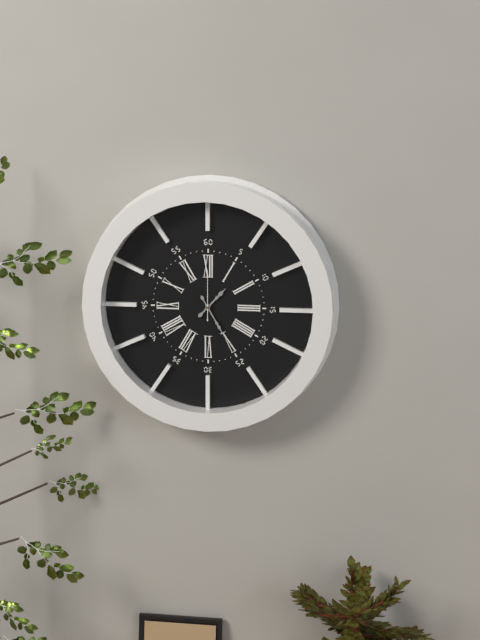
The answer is 1h25
